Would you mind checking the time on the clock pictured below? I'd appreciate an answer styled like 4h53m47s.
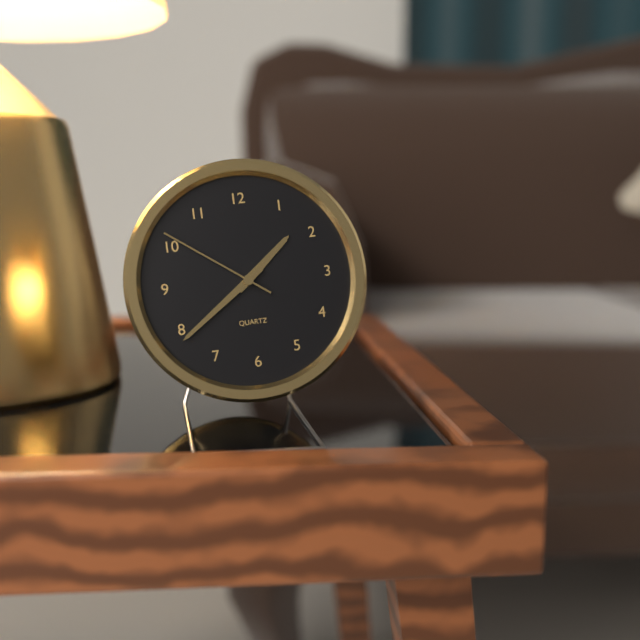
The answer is 1h39m51s
